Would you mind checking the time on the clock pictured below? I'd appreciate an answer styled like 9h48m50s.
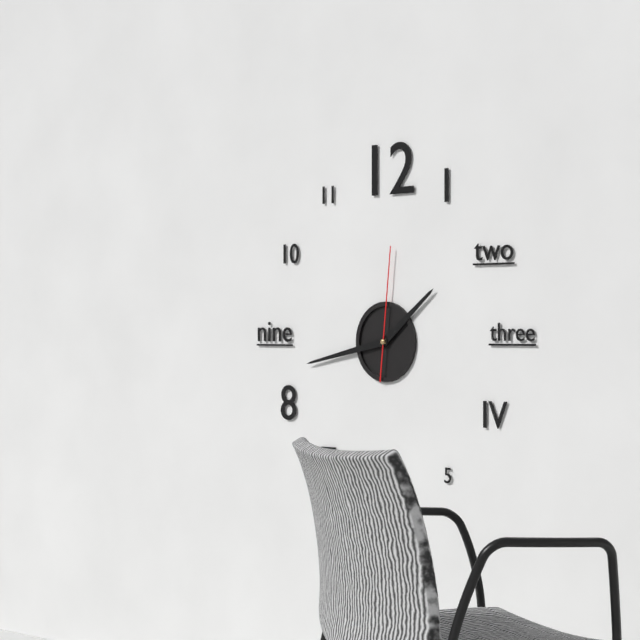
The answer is 1h43m01s
